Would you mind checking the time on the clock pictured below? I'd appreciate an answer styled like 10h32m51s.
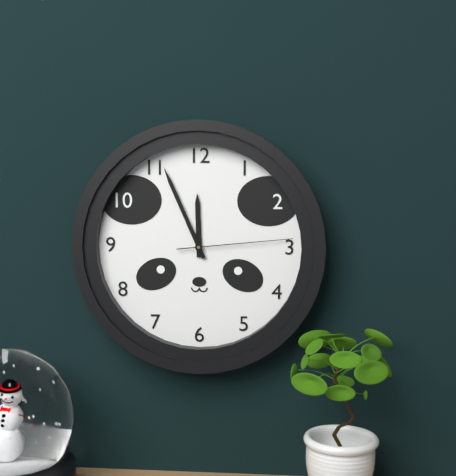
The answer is 11h56m14s
